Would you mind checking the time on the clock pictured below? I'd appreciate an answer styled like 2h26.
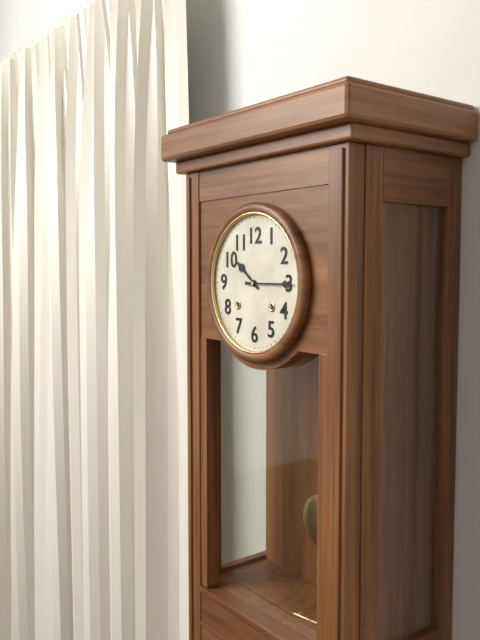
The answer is 10h15
